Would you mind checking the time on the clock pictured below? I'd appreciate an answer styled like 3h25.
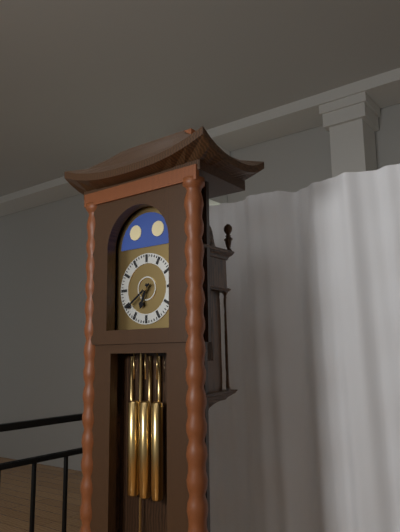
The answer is 6h39
